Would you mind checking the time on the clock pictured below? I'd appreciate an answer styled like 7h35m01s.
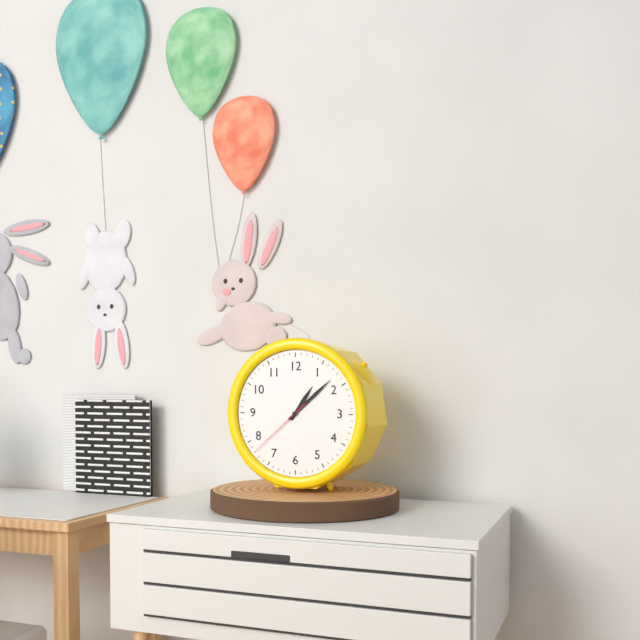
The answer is 1h08m38s
